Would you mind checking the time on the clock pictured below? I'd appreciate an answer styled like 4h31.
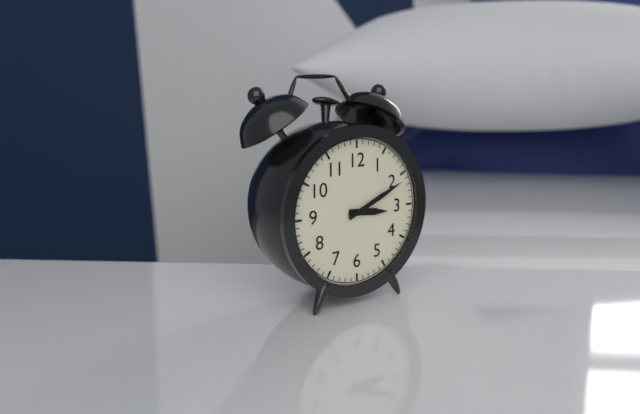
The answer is 3h11
